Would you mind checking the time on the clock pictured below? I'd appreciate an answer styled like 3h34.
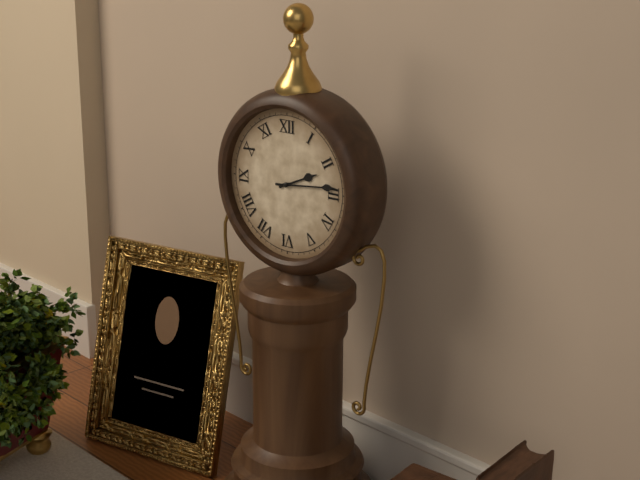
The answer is 2h14
